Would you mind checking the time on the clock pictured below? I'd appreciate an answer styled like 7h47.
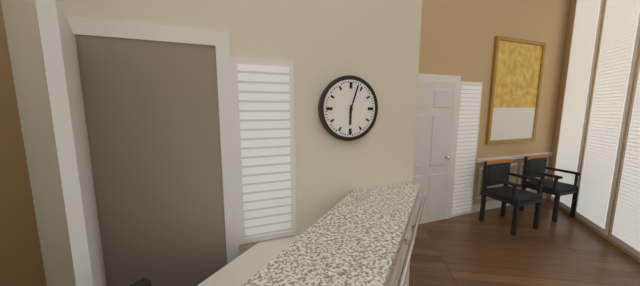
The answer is 6h03
